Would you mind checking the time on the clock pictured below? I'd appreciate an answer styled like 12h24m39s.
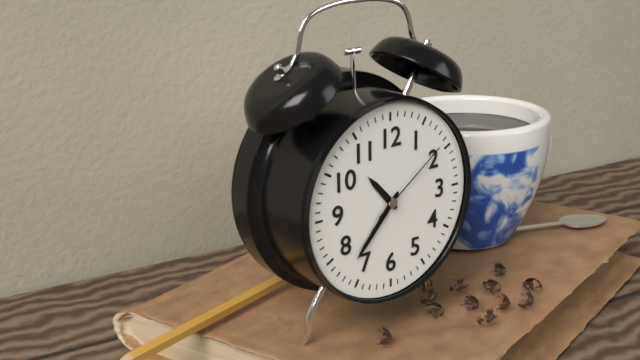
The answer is 10h37m09s
